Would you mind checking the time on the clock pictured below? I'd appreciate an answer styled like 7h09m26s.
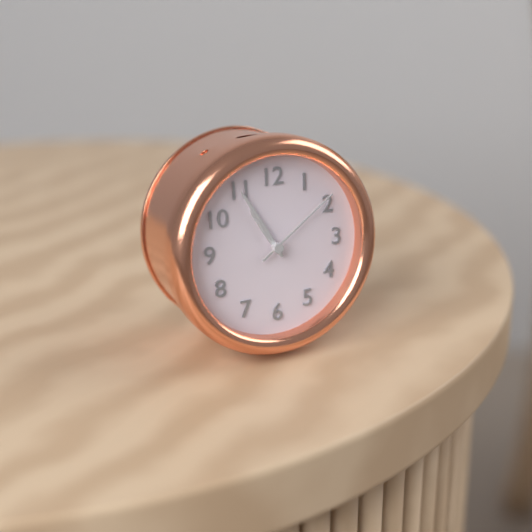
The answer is 10h55m09s
